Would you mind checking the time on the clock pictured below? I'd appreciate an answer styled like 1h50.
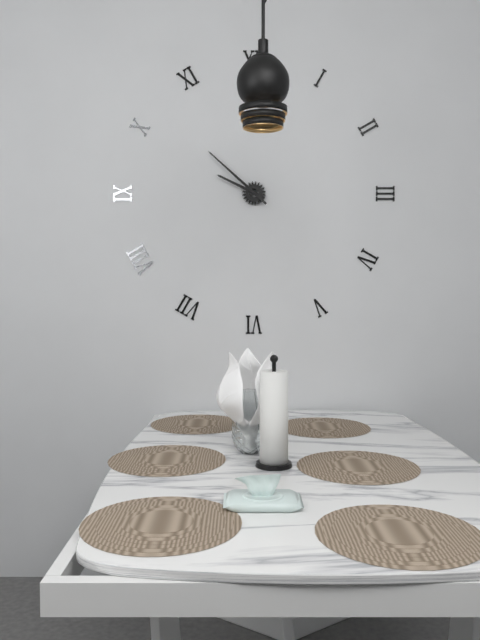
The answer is 9h52
